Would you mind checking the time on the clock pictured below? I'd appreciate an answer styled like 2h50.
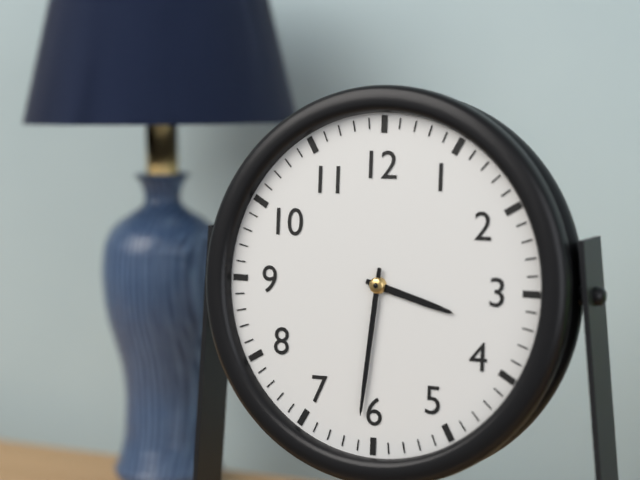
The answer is 3h31
